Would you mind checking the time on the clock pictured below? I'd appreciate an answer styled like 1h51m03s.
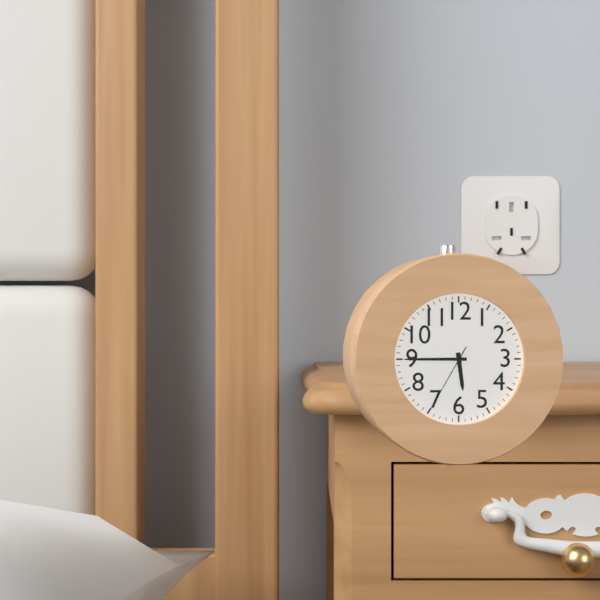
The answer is 5h45m35s
